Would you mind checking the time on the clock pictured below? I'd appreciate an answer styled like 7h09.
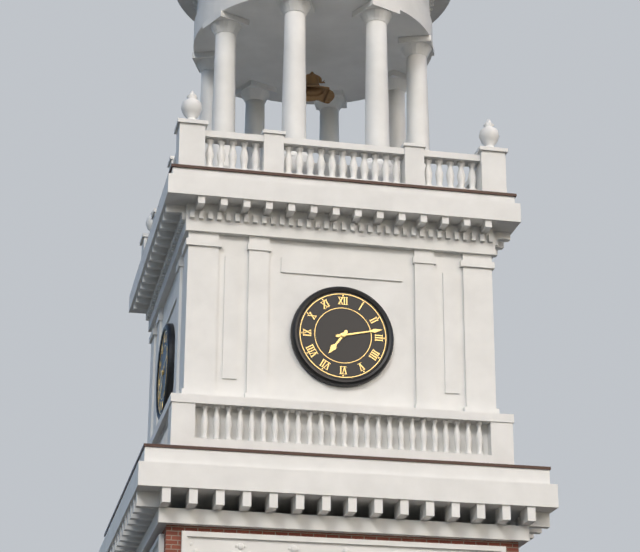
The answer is 7h13
